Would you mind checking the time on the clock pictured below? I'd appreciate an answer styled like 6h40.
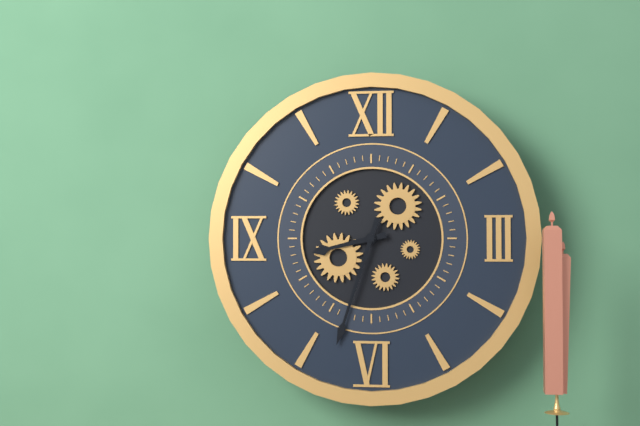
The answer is 8h33
